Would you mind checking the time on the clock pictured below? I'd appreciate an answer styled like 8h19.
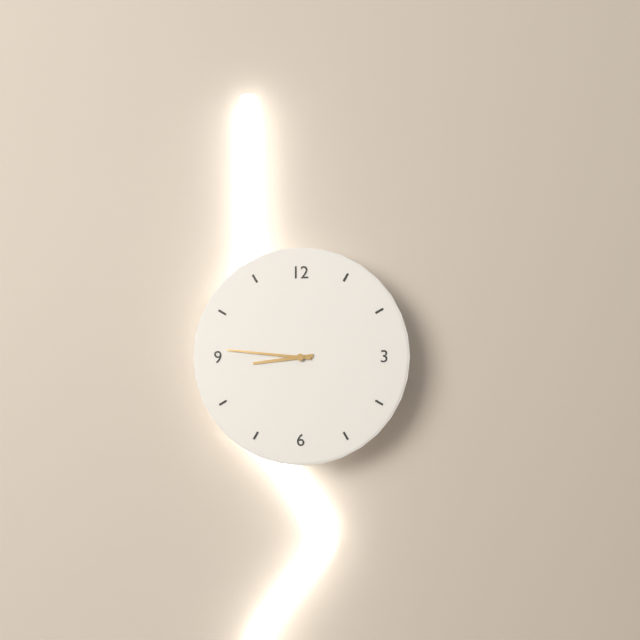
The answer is 8h46
